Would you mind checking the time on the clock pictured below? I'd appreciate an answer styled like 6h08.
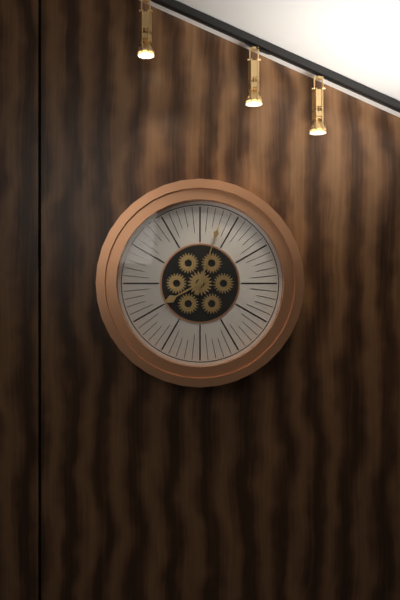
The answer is 8h03
